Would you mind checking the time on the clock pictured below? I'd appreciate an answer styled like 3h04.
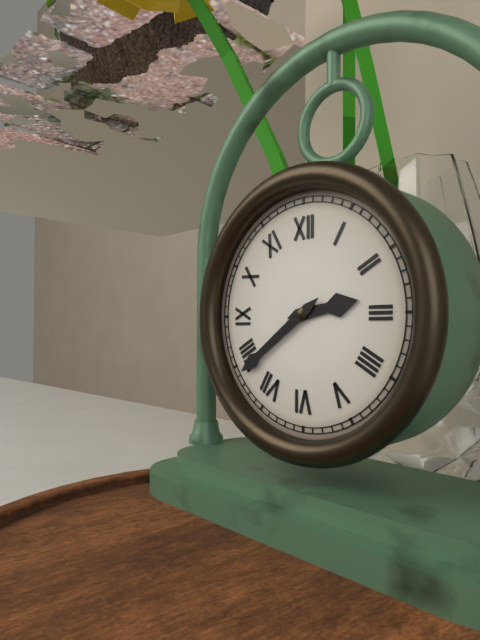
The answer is 2h39
